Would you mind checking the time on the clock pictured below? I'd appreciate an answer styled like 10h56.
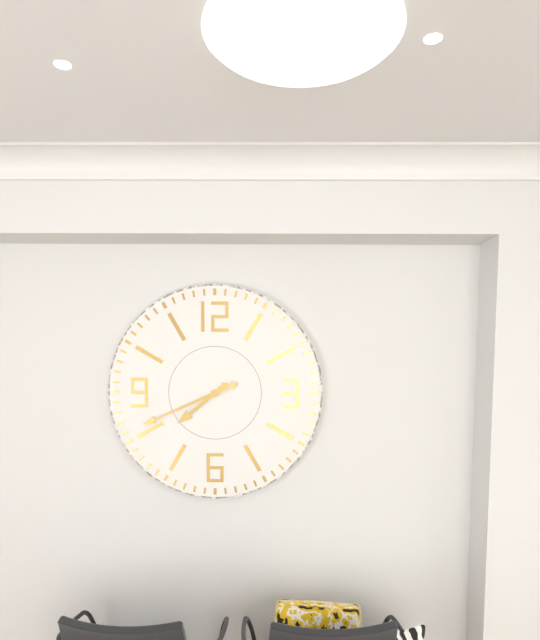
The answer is 7h41
